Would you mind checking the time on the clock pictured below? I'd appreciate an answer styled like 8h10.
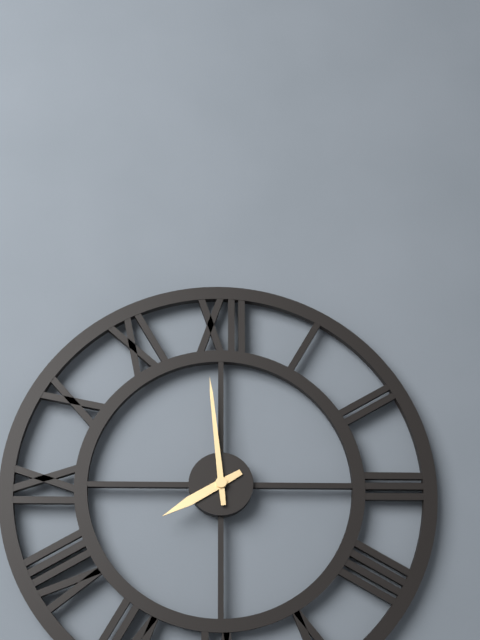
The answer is 7h59
